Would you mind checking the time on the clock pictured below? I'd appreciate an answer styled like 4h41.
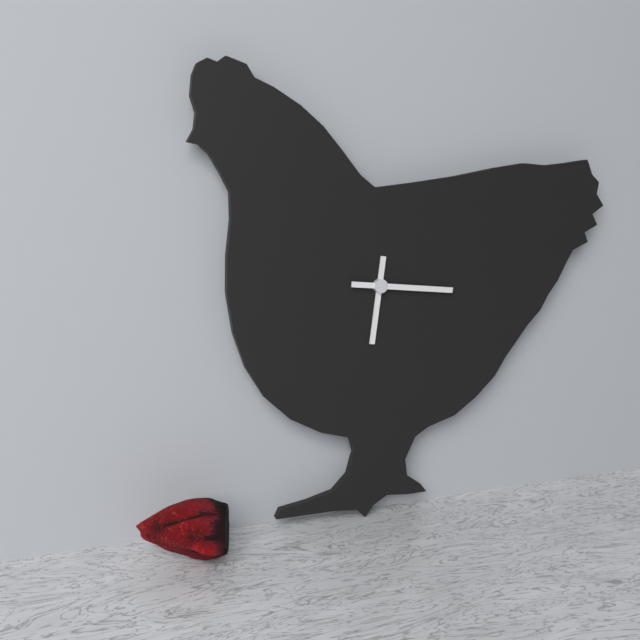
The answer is 6h16
